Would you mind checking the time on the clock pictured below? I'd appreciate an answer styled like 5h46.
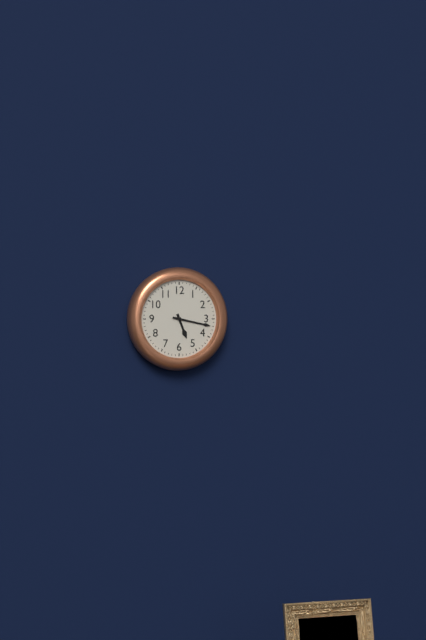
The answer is 5h17
